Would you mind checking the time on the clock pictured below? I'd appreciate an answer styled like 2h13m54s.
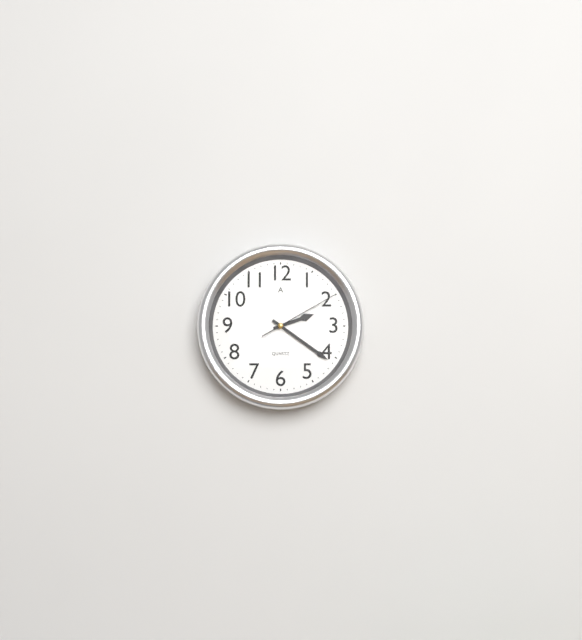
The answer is 2h21m10s
